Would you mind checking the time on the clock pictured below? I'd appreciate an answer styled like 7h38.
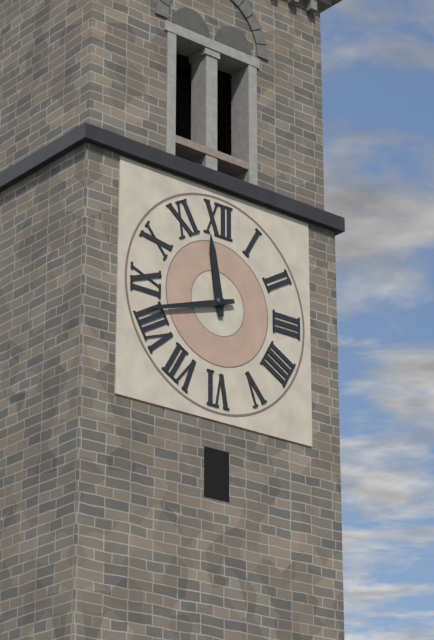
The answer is 11h42
